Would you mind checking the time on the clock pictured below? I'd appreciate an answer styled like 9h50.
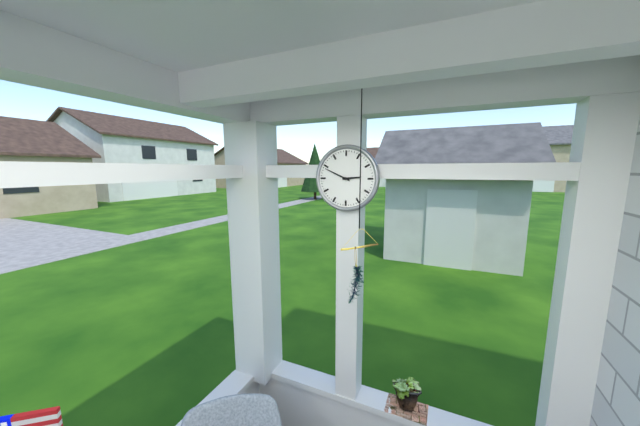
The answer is 2h49
